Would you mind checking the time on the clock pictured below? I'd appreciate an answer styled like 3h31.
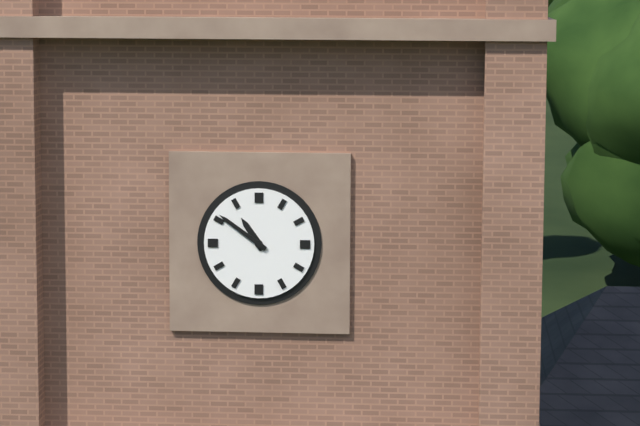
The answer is 10h51
